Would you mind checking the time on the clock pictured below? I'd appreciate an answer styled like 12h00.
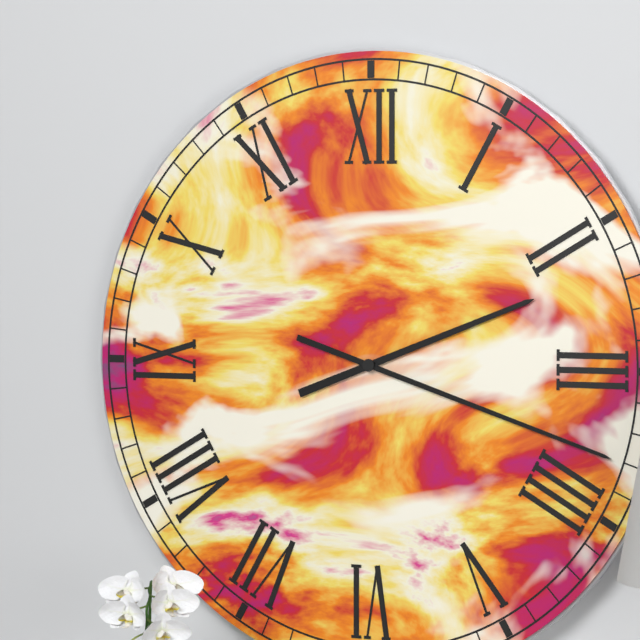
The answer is 2h18
